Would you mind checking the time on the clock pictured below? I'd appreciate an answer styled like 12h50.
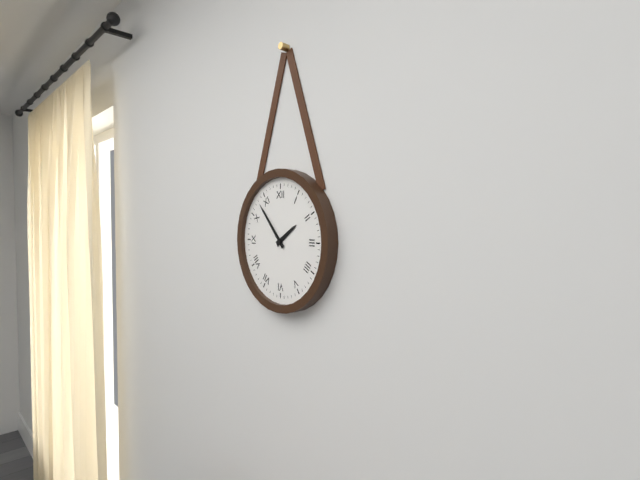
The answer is 1h53
